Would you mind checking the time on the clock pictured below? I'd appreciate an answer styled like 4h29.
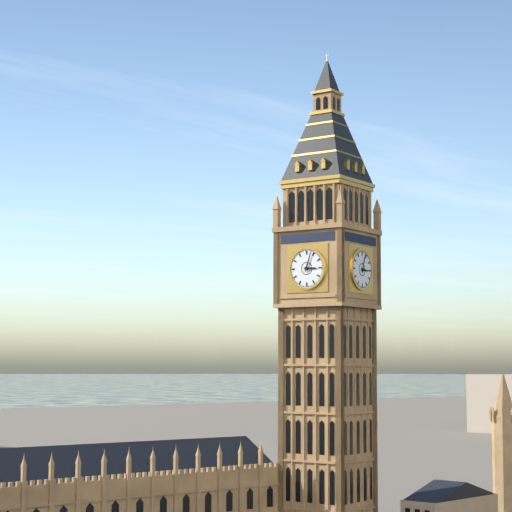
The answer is 3h03
